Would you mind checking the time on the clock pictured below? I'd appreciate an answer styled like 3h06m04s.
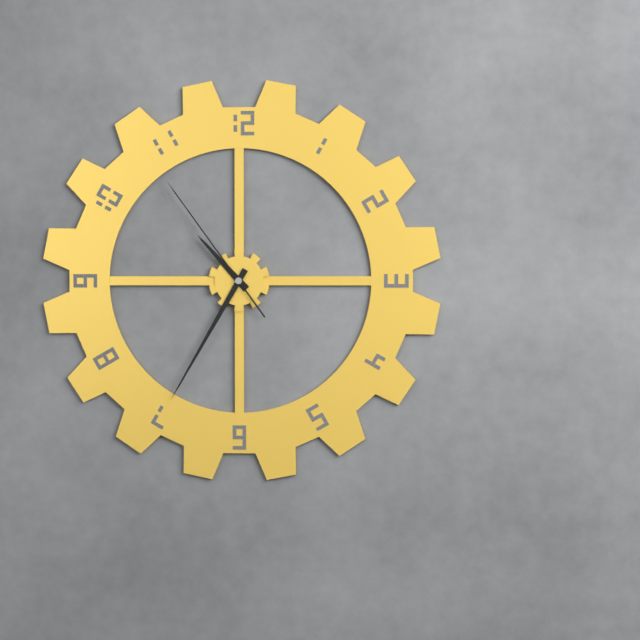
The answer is 10h35m54s
